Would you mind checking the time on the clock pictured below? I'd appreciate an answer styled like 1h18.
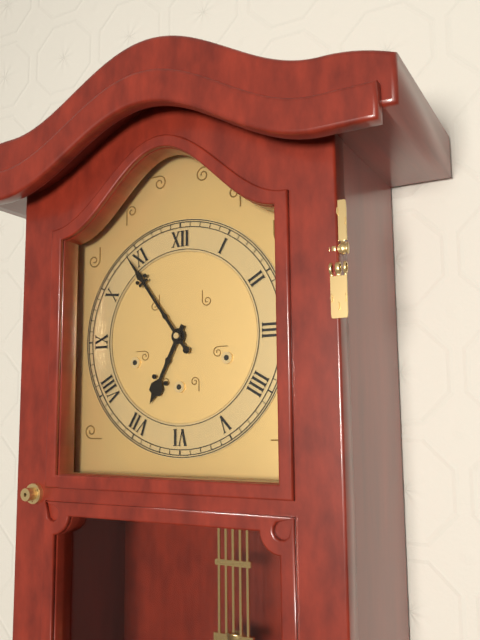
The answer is 6h54
